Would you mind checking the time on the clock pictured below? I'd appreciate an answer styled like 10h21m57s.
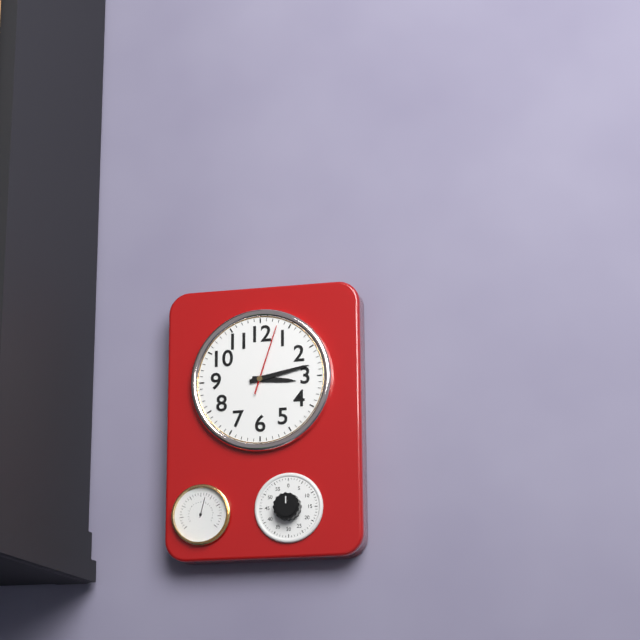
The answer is 3h13m03s
